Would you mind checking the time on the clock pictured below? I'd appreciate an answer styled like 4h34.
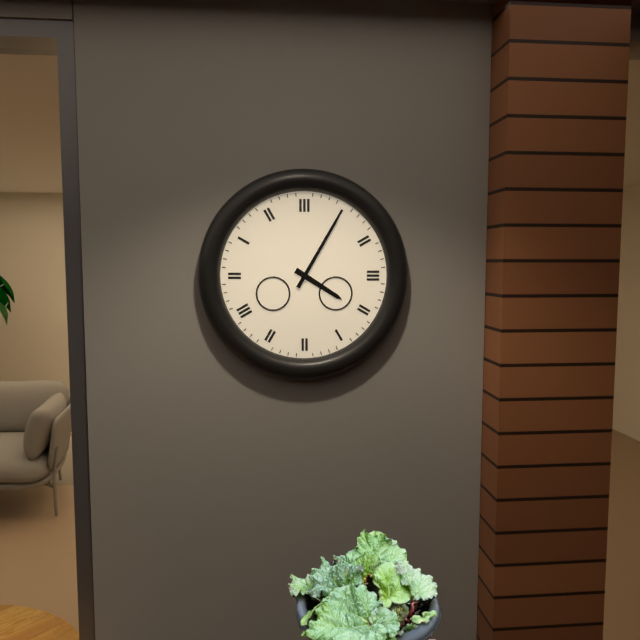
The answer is 4h05
